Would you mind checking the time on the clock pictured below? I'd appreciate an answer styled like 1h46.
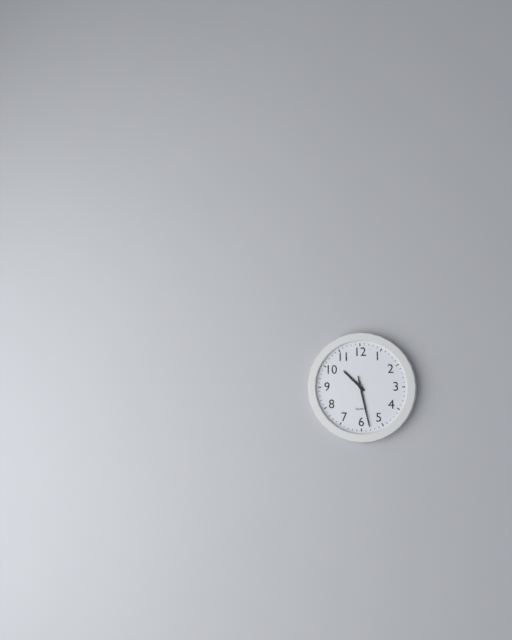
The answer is 10h28
